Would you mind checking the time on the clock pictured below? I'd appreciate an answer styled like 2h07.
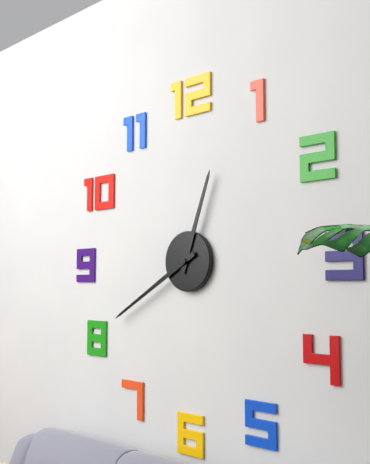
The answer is 12h40
